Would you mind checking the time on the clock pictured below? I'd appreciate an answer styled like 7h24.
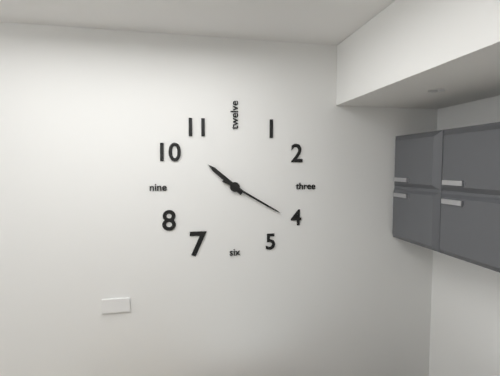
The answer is 10h20
